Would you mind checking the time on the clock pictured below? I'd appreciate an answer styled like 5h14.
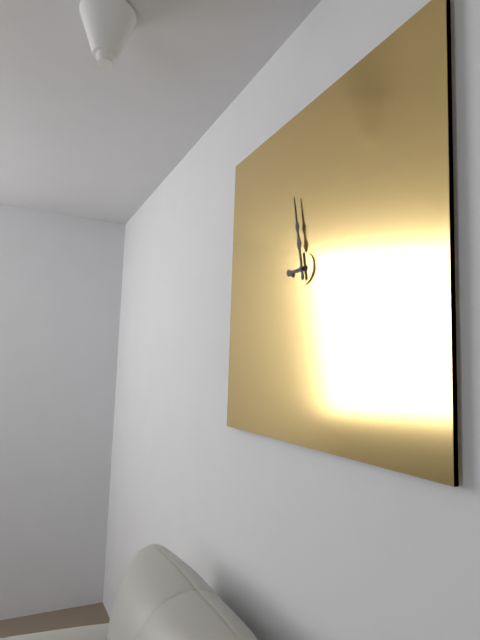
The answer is 8h58
